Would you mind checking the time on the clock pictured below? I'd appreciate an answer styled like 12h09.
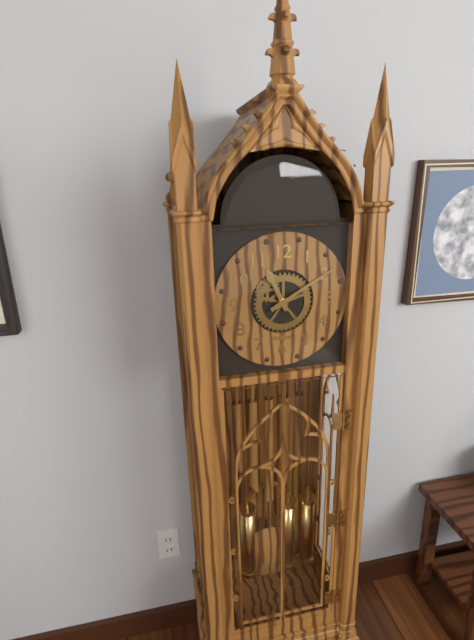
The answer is 11h10
